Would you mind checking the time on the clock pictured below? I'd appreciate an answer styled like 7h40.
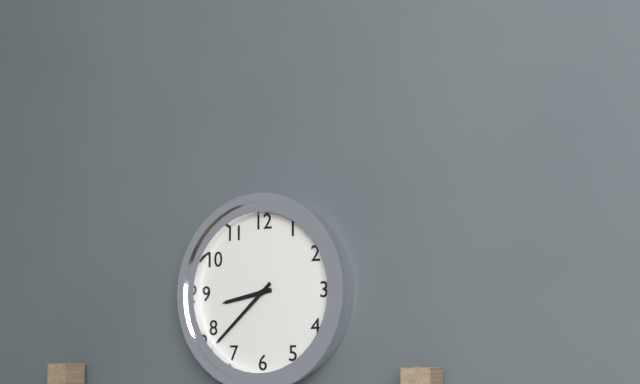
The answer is 8h38
